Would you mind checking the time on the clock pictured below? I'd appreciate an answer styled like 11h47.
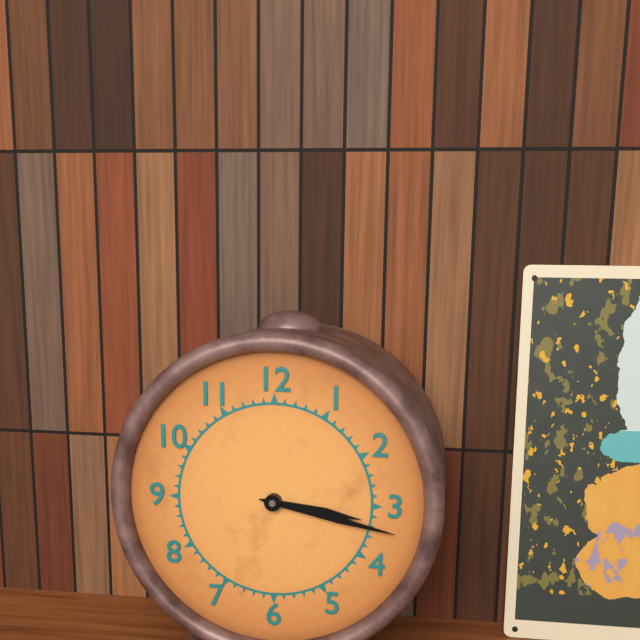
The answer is 3h17
